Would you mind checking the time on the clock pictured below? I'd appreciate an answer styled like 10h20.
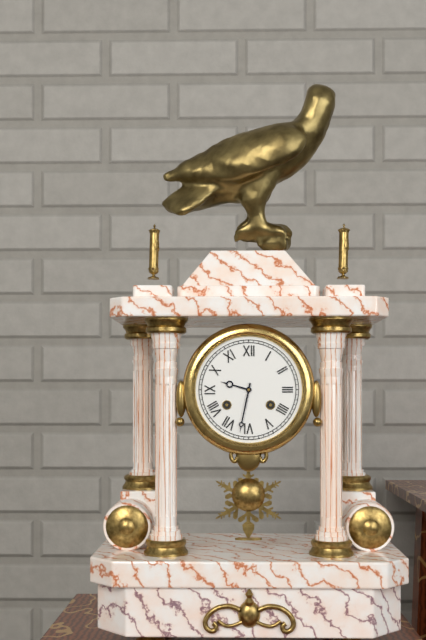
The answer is 9h32
